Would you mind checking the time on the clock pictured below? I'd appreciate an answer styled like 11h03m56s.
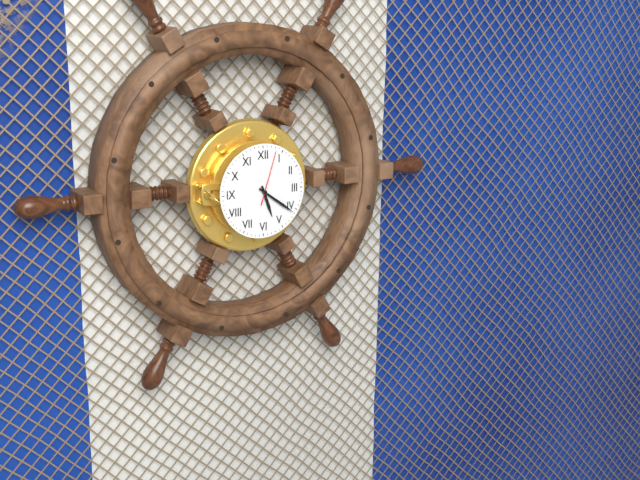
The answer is 5h21m03s
